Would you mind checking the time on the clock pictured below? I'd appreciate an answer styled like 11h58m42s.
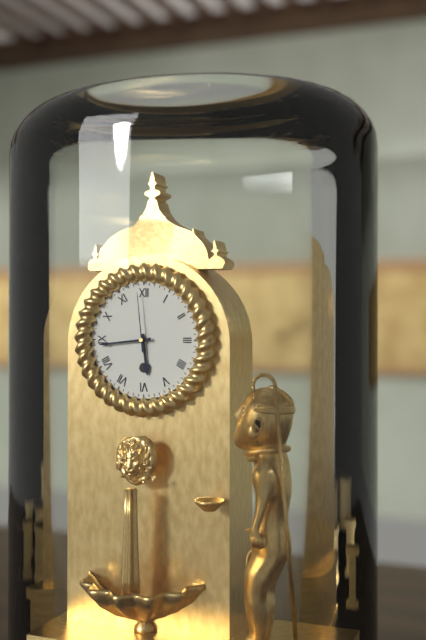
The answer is 5h44m59s
